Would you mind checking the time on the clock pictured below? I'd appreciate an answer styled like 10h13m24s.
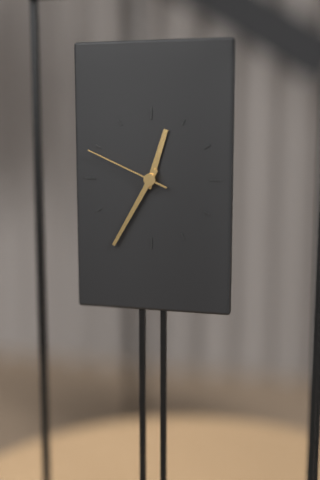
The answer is 12h35m49s
